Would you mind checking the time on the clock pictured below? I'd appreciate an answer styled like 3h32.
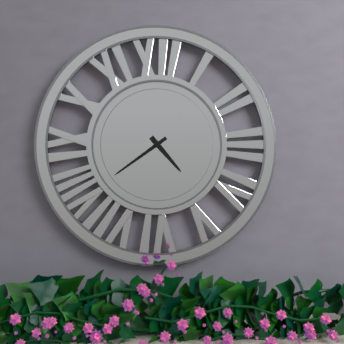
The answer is 4h39
